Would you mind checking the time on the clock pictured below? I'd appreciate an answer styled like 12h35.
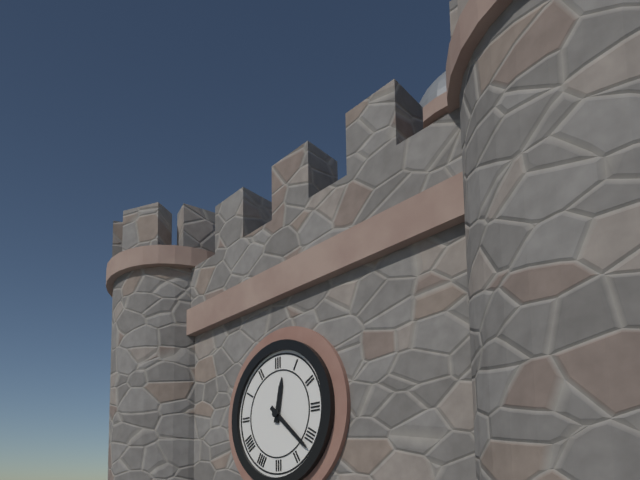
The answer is 12h22
